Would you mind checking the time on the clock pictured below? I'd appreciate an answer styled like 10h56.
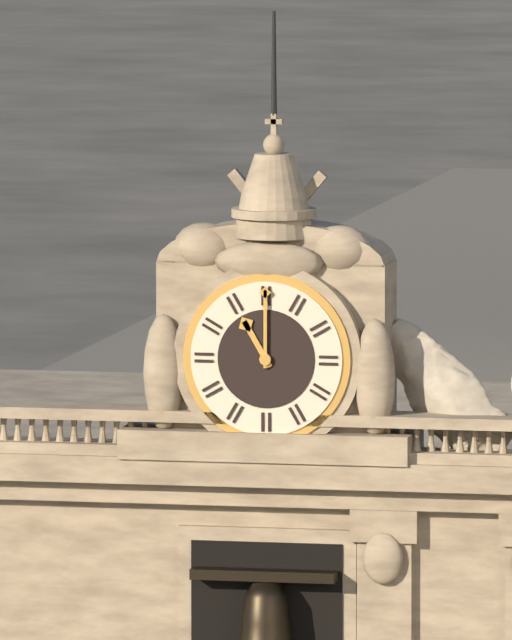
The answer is 11h00
